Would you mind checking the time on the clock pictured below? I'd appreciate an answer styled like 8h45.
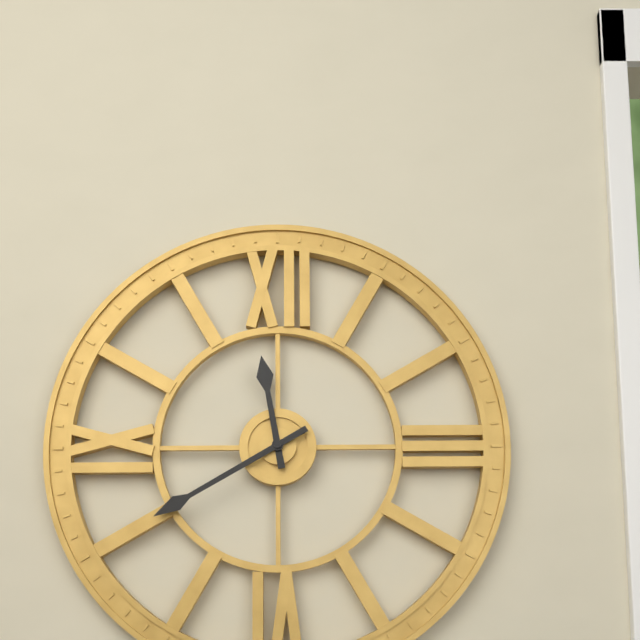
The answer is 11h40
